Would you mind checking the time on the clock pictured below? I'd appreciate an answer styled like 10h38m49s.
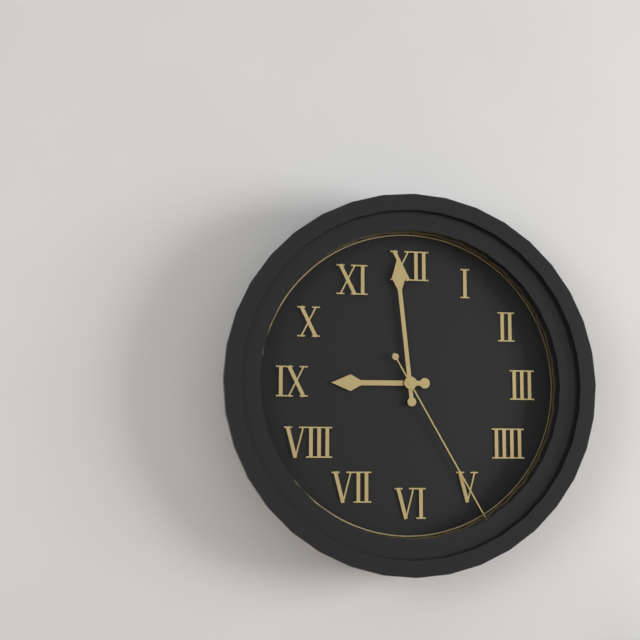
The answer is 8h59m25s
